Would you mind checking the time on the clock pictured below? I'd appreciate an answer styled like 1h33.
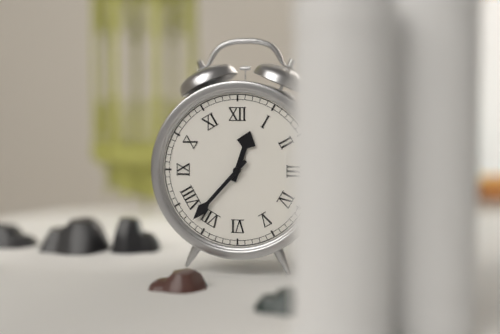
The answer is 12h37
